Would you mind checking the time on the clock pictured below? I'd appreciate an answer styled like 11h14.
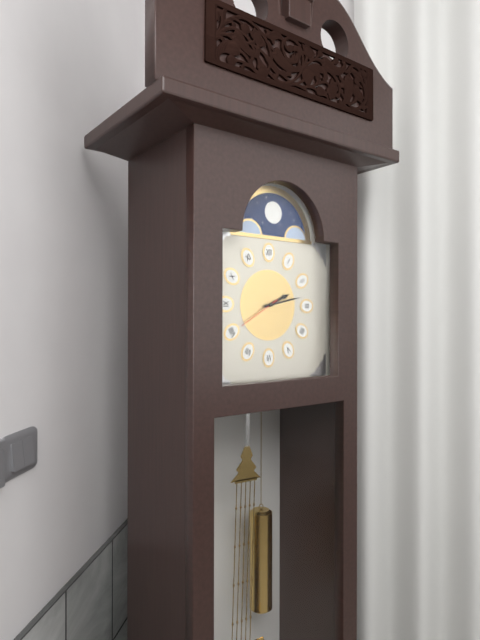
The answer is 2h13
